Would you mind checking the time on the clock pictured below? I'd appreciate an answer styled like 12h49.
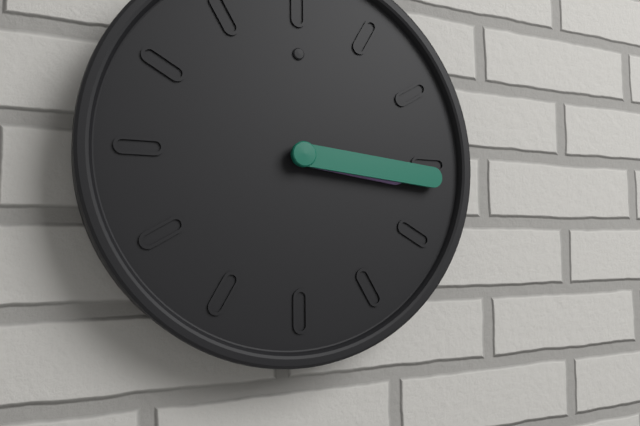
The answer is 3h16
